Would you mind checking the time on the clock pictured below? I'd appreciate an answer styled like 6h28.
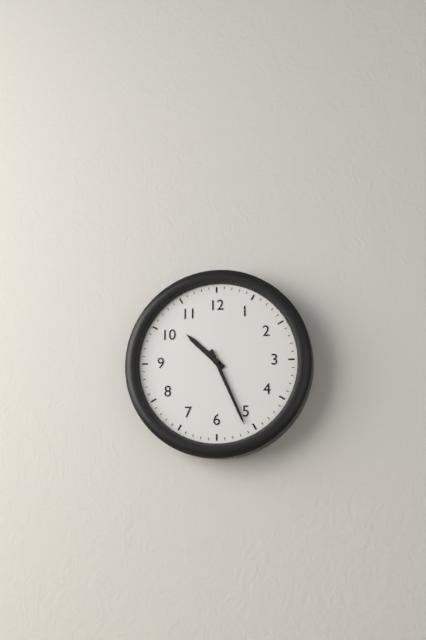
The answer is 10h26
